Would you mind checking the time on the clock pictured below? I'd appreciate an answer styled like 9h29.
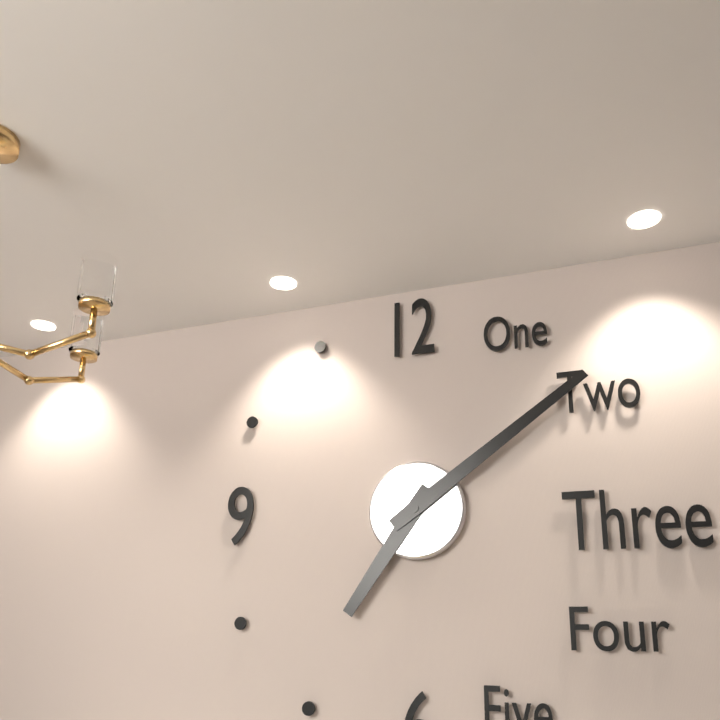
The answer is 7h09
